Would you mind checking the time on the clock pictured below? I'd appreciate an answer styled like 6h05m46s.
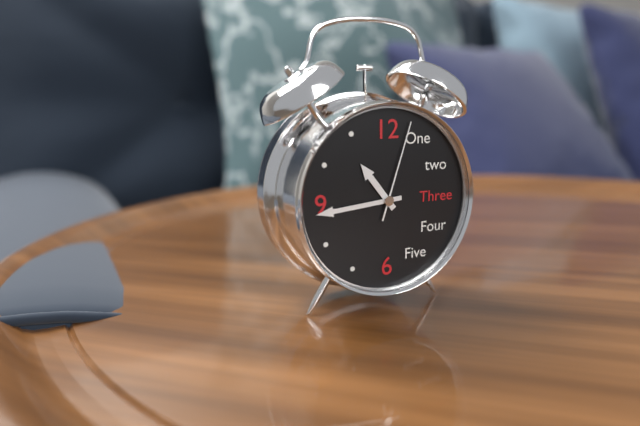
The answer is 10h44m03s
